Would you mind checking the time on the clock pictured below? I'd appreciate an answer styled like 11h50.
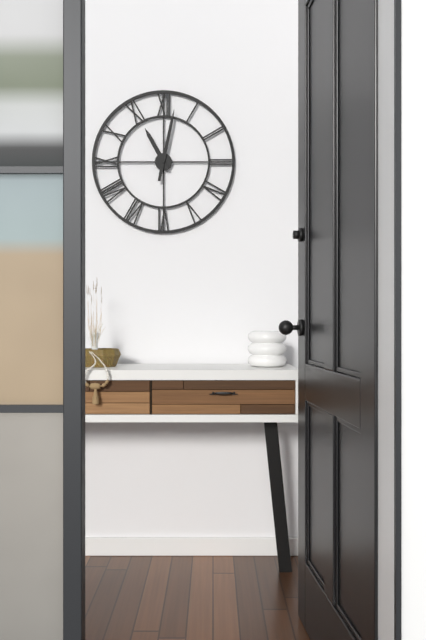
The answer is 11h02
